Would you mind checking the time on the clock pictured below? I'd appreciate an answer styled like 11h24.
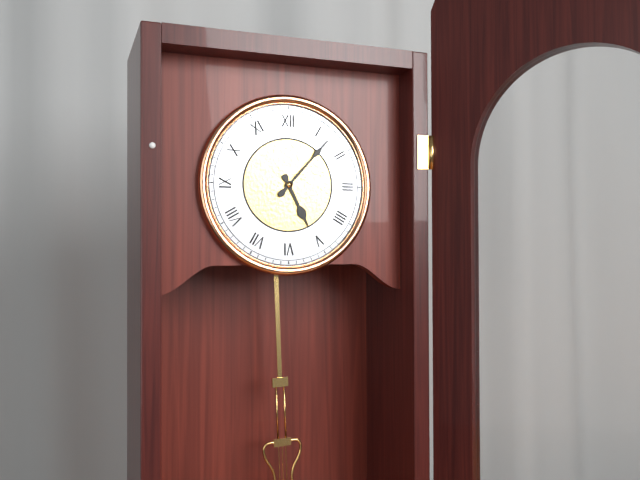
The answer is 5h07
